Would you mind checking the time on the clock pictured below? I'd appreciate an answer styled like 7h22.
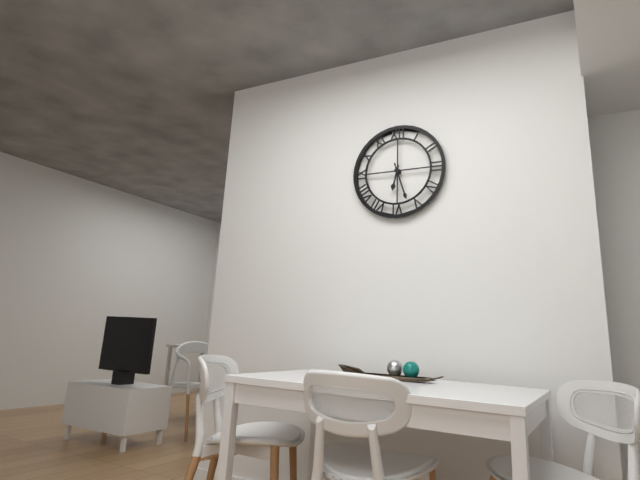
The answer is 6h27
